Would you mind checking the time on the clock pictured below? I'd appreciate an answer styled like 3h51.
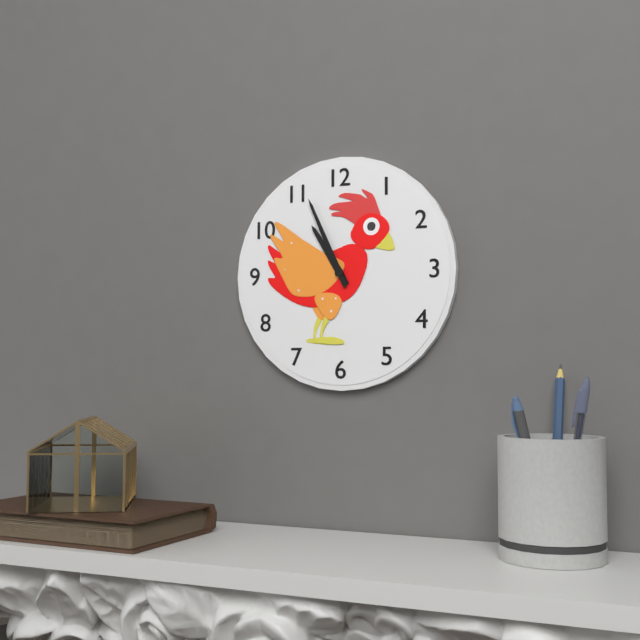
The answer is 10h56
